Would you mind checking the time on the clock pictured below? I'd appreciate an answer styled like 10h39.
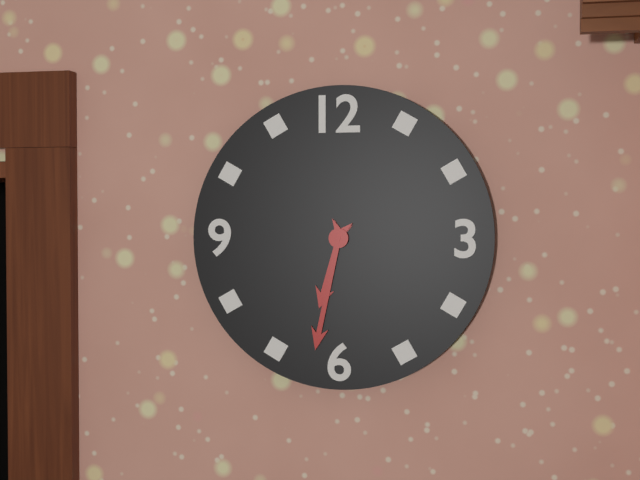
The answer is 6h32
